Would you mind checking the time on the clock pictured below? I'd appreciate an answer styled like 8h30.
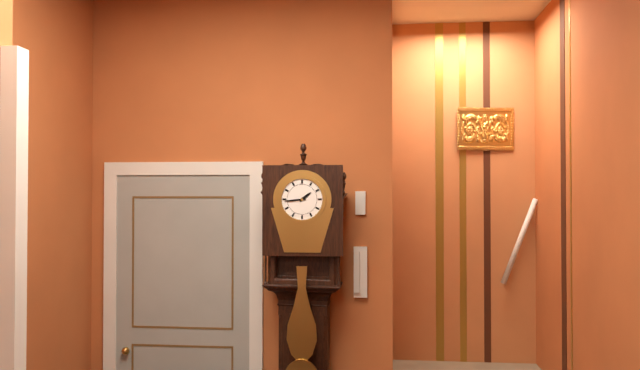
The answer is 1h44
